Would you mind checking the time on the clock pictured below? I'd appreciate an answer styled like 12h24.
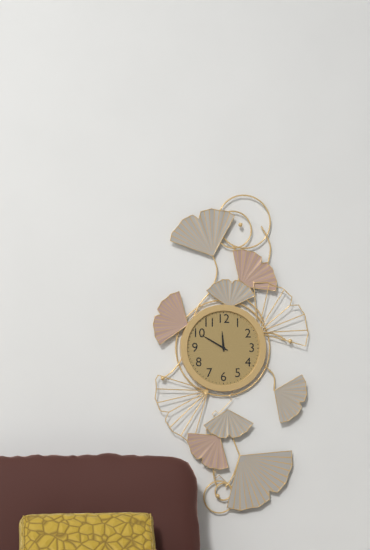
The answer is 11h50
